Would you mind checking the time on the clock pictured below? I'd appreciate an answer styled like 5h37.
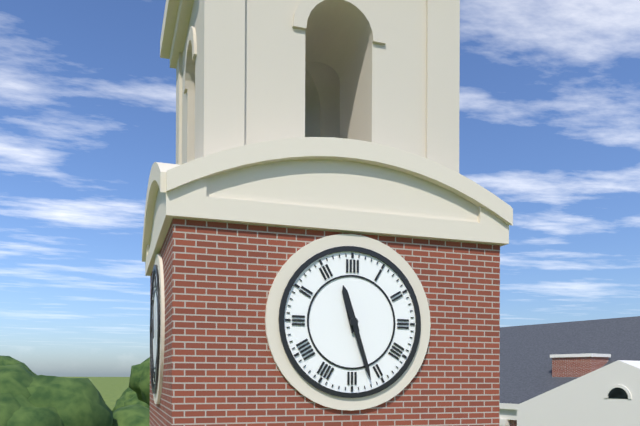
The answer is 11h27
